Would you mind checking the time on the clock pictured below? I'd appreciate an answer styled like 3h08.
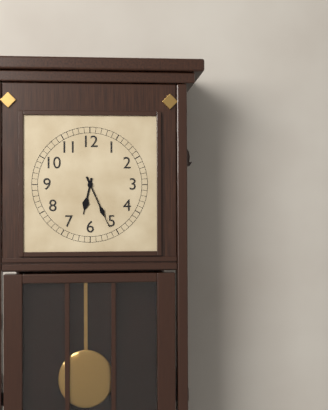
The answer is 6h26
